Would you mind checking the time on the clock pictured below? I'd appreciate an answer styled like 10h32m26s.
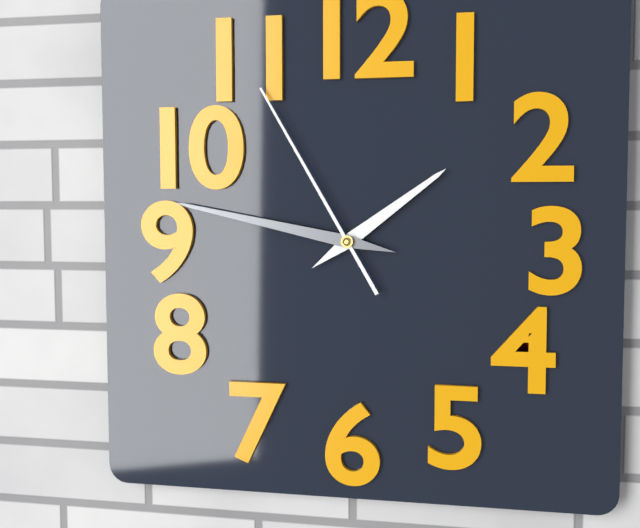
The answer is 1h47m55s
